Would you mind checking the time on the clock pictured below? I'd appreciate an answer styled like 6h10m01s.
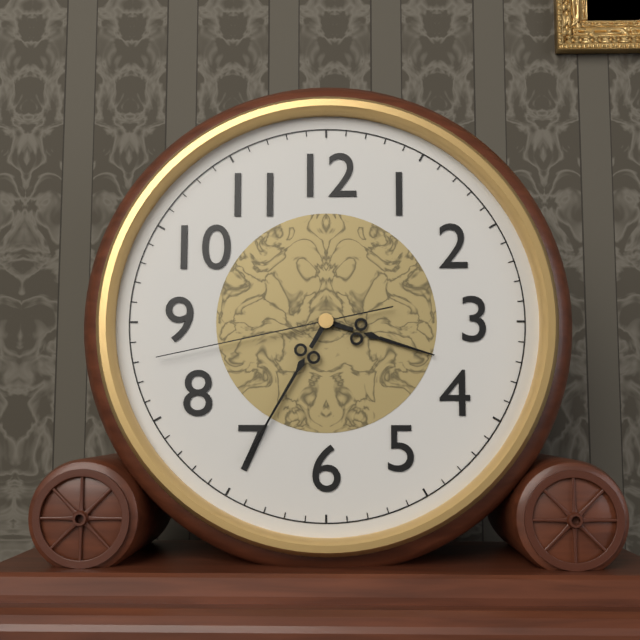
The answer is 3h35m43s
